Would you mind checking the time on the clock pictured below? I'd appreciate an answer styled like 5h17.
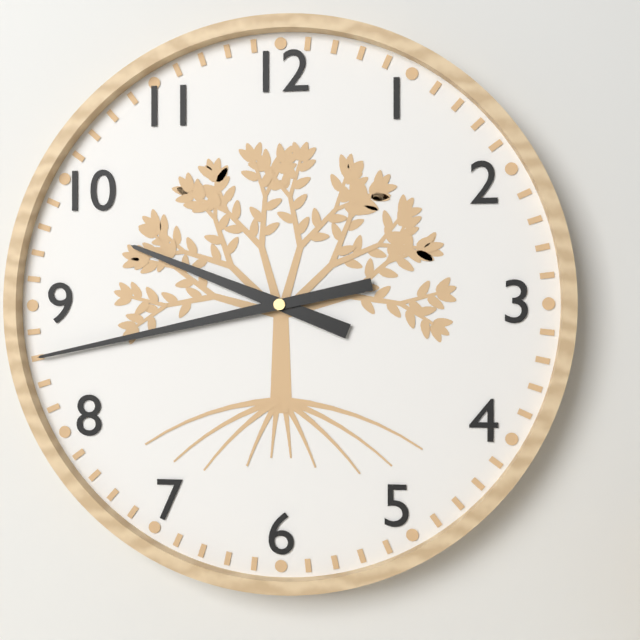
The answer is 9h43
